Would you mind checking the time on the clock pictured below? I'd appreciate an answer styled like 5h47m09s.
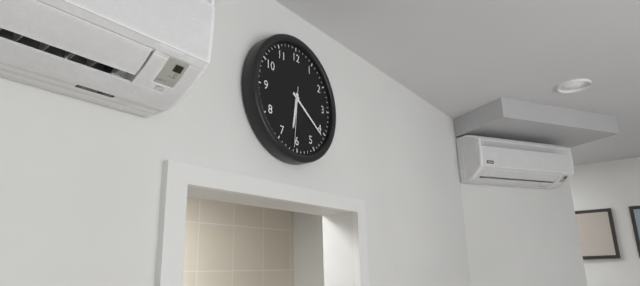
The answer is 6h21m31s
